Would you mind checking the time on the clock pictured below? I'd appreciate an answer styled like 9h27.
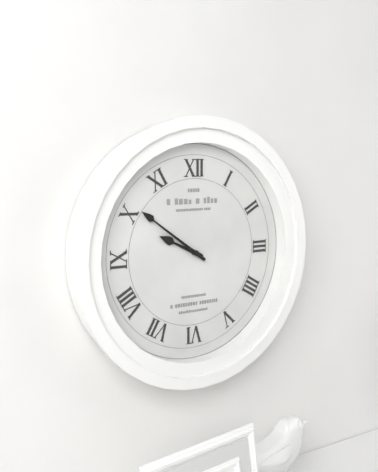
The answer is 9h51
